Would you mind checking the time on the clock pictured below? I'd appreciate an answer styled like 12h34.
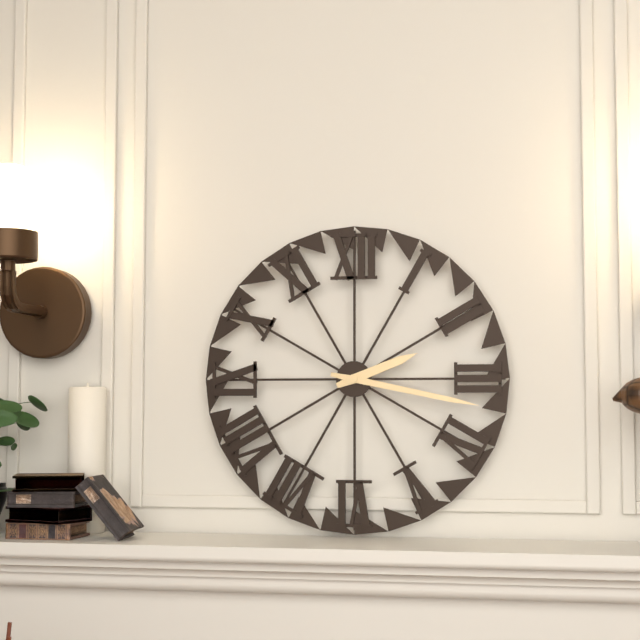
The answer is 2h17
